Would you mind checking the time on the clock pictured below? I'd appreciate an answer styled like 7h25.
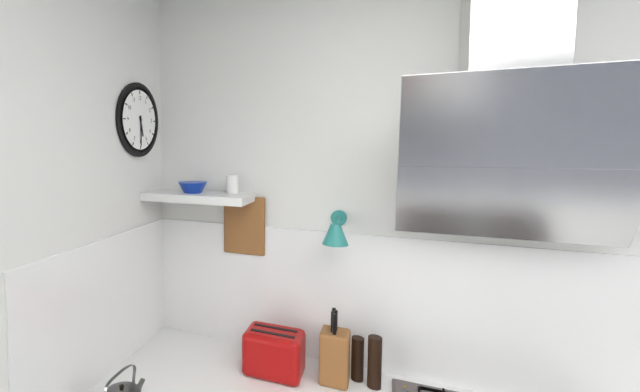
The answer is 5h30
